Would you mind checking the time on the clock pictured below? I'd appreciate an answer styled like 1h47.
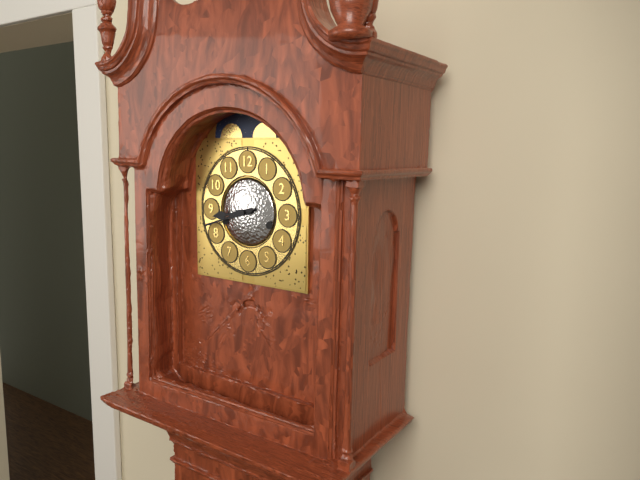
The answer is 8h42
